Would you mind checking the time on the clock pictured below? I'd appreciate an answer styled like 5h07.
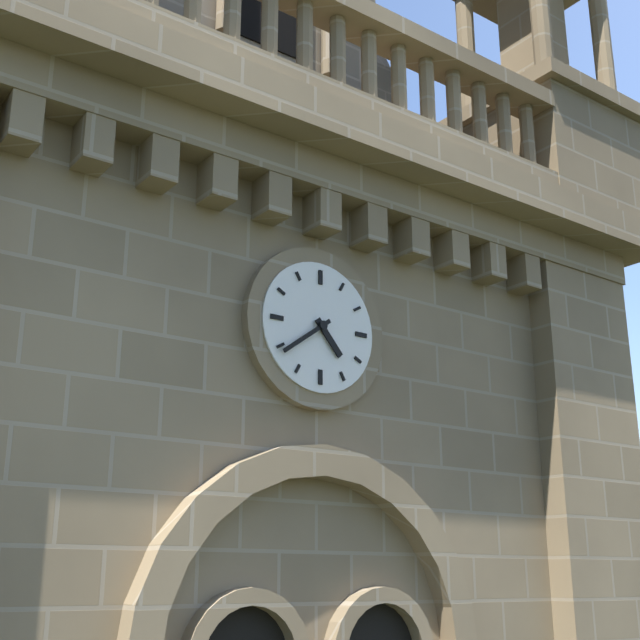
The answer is 4h39
